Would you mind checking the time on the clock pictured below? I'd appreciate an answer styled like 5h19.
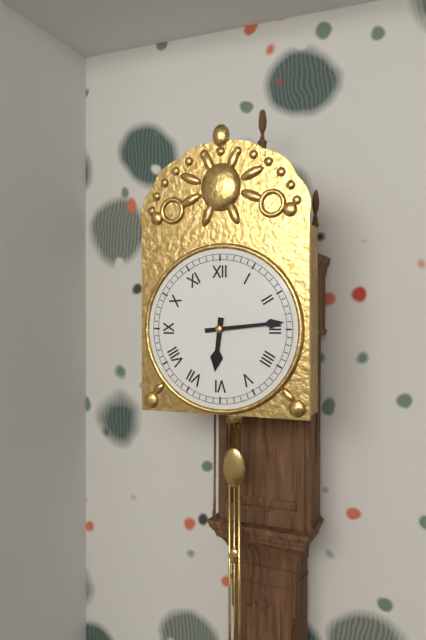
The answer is 6h14
